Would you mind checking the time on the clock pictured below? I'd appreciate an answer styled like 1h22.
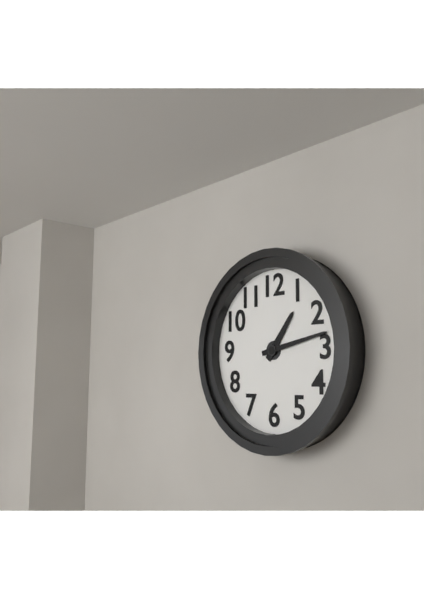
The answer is 1h13
